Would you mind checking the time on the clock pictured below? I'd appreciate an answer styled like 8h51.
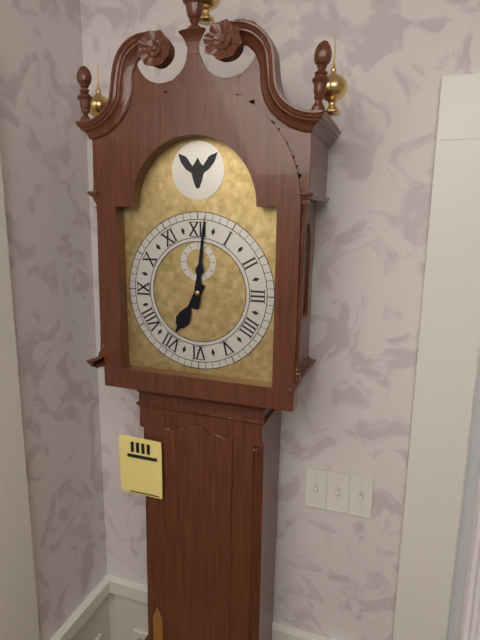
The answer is 7h01
